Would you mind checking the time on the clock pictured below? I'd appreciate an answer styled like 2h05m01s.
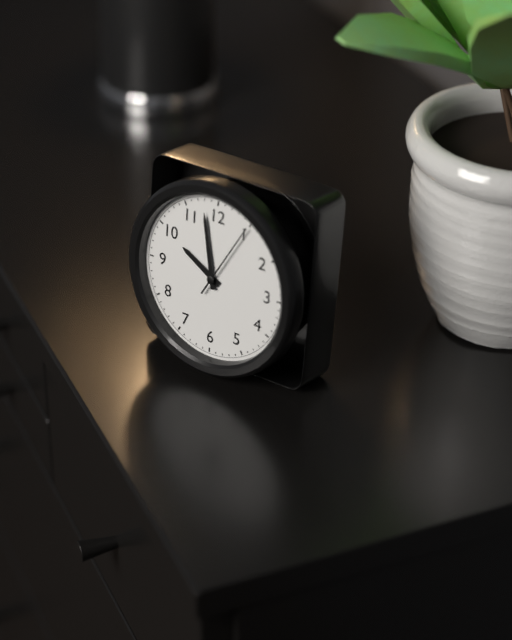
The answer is 9h58m05s
